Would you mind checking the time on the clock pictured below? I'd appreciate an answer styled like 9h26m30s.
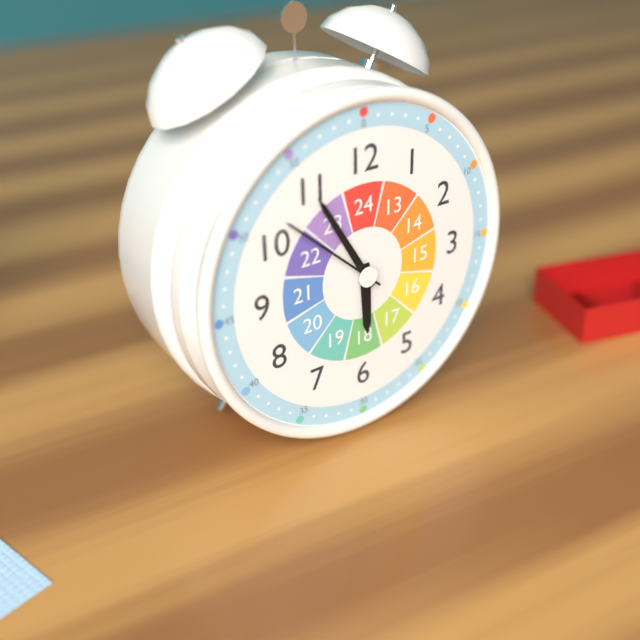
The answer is 5h55m52s
